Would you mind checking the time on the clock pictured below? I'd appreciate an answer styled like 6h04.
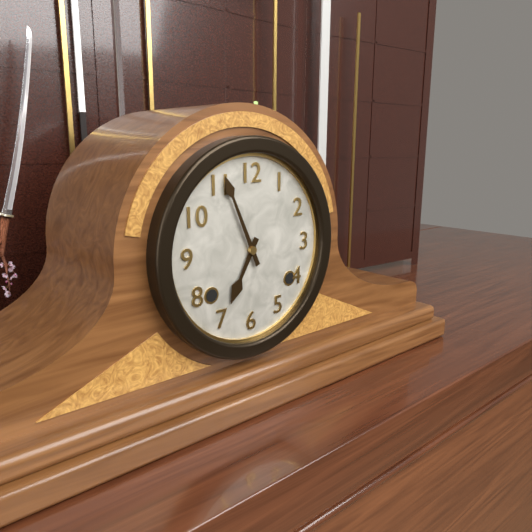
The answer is 6h56
